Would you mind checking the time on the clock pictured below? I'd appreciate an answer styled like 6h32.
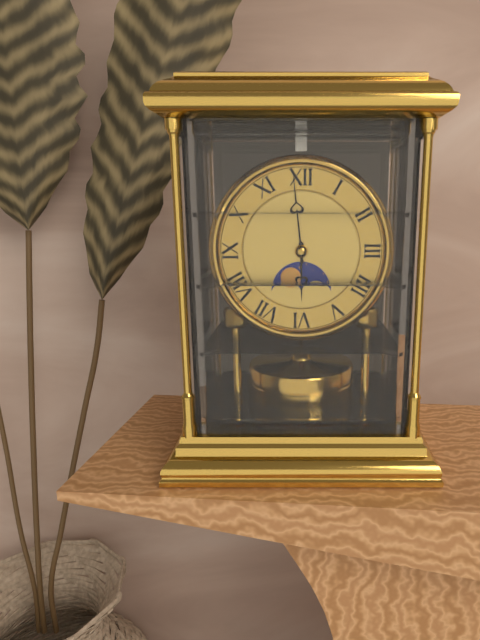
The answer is 5h59
